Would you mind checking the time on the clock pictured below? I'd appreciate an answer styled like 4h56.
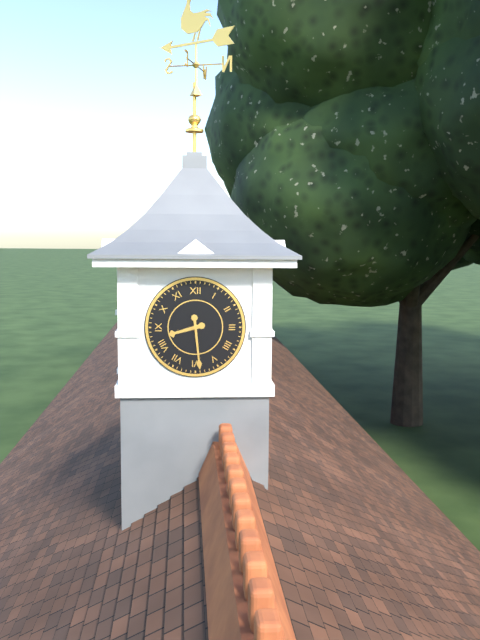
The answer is 8h29
